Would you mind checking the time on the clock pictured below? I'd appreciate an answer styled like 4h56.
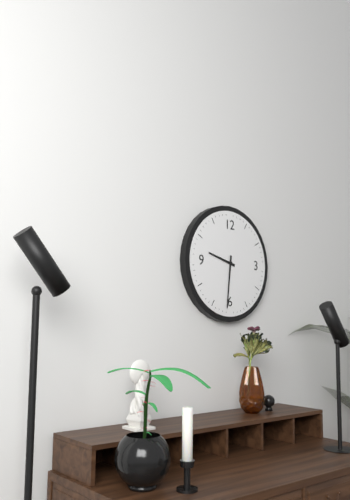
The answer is 9h31
